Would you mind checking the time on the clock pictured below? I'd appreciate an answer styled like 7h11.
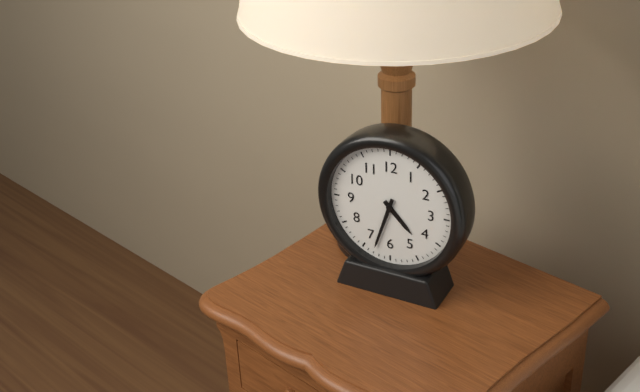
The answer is 4h33
